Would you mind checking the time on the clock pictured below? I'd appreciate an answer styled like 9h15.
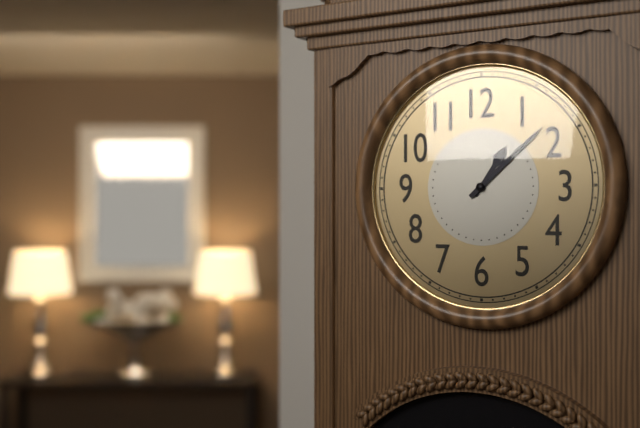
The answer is 1h08
